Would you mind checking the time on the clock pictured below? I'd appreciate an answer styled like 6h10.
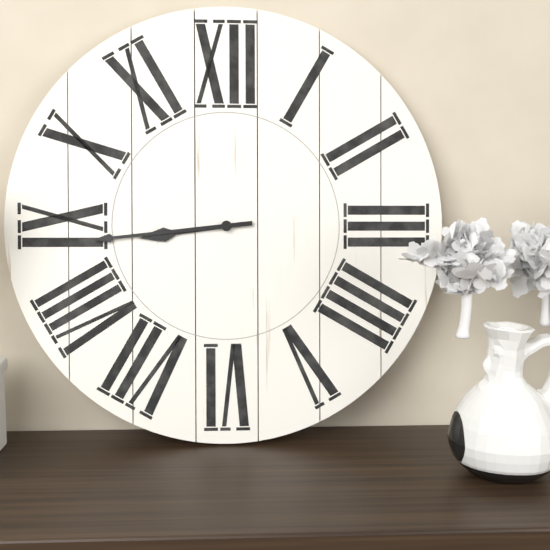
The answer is 8h44
